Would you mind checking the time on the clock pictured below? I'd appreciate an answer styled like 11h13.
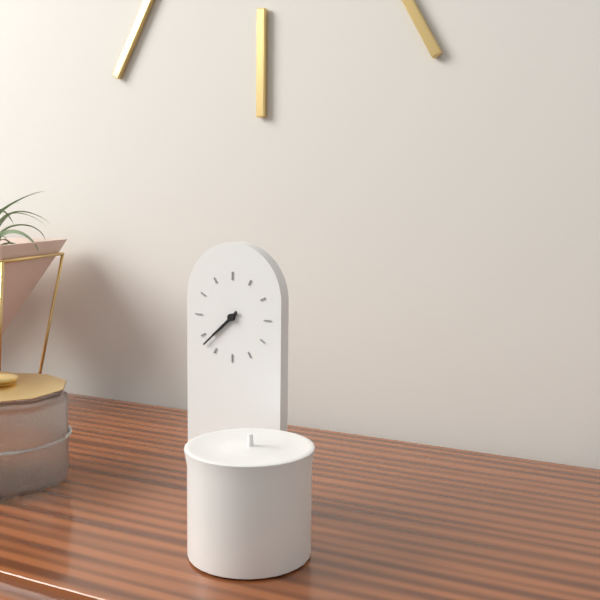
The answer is 7h38
